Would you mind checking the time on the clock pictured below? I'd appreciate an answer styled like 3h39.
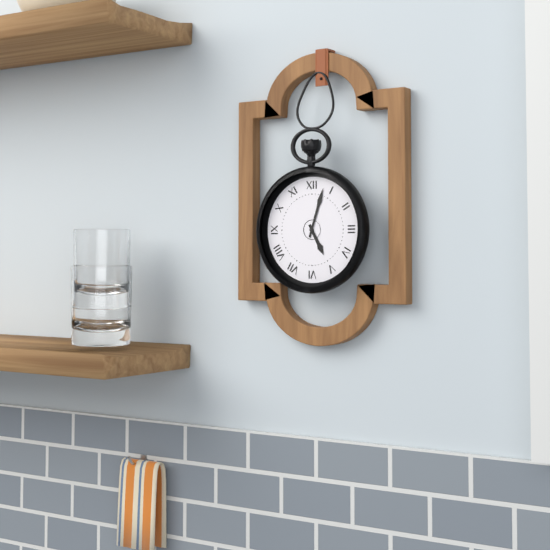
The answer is 5h03
